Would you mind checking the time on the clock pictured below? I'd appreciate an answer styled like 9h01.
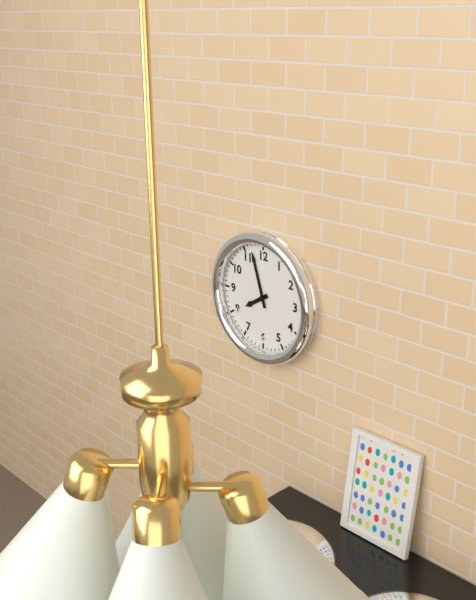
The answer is 7h57
